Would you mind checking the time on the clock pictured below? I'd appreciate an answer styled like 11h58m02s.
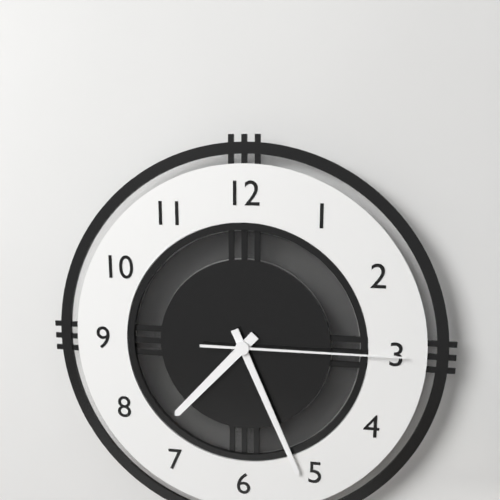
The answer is 7h26m15s
